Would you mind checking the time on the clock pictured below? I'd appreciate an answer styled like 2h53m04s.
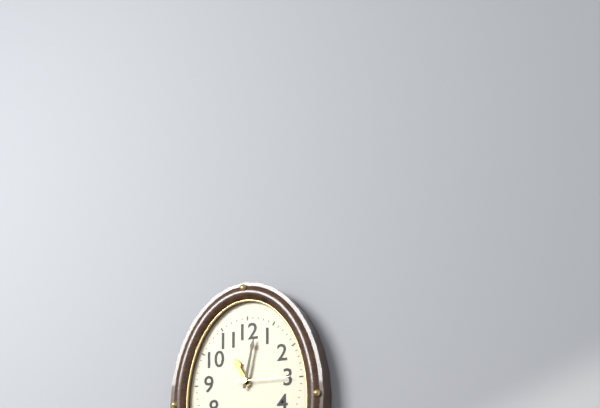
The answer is 11h02m15s
